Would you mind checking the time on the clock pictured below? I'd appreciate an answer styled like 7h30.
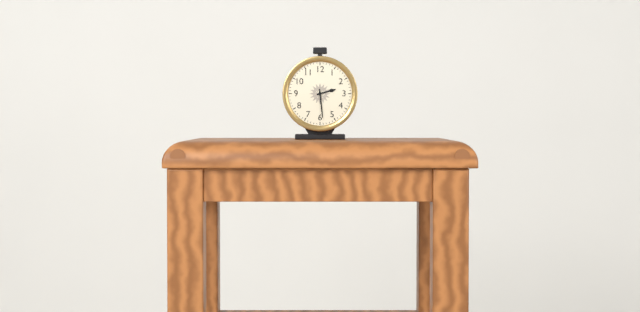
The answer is 2h29
